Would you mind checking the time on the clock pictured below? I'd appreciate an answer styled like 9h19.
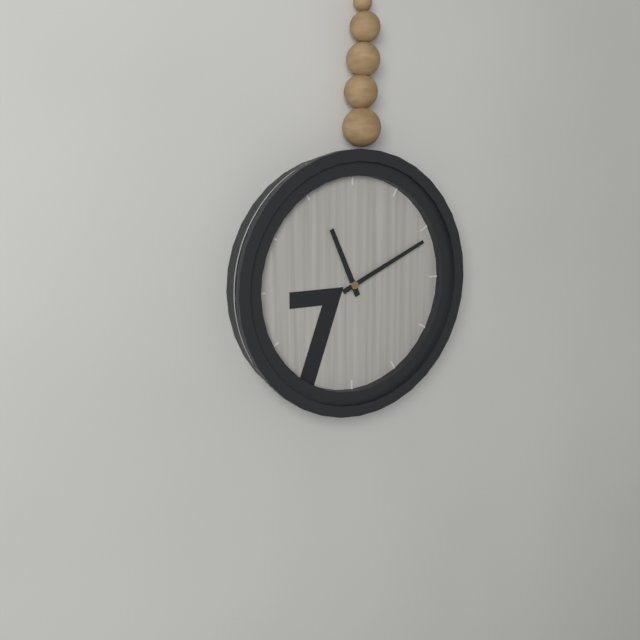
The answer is 11h11
